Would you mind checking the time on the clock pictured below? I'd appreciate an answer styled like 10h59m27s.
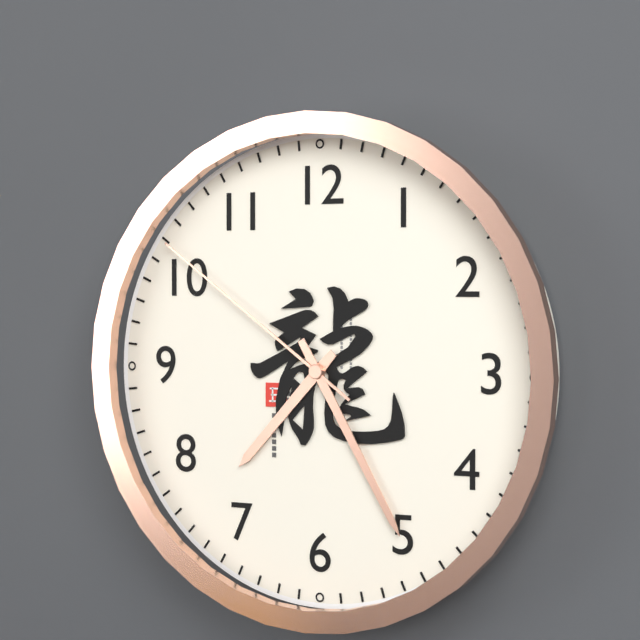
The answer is 7h25m51s
